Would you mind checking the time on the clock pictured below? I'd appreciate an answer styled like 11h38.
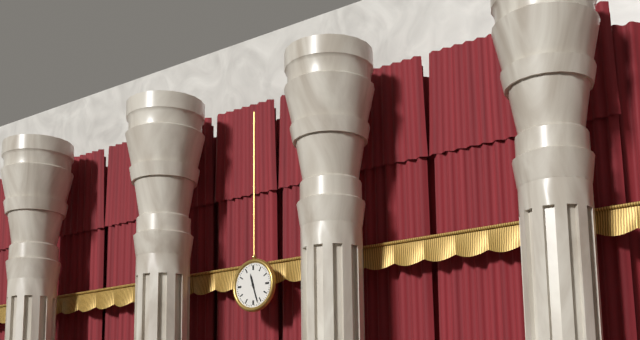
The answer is 11h27
